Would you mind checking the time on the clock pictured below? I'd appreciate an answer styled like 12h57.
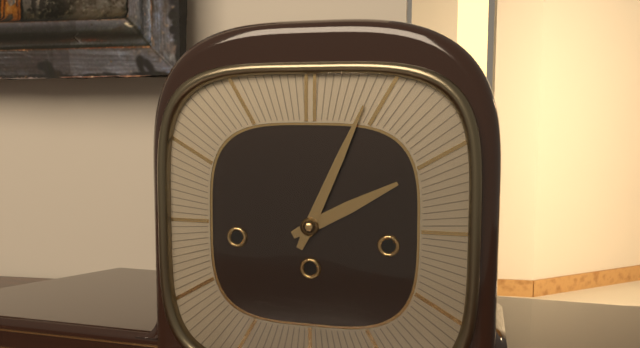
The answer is 2h04
